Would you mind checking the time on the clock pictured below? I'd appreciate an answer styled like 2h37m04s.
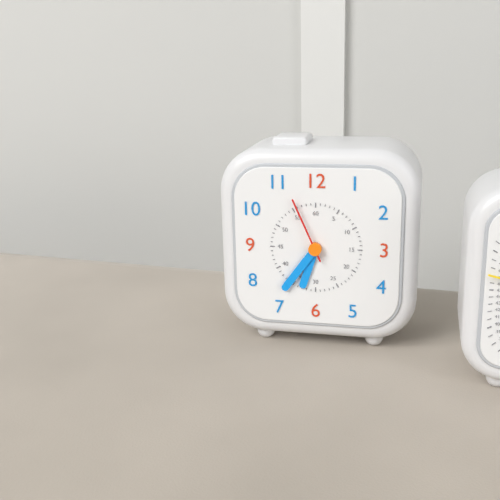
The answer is 6h36m56s
